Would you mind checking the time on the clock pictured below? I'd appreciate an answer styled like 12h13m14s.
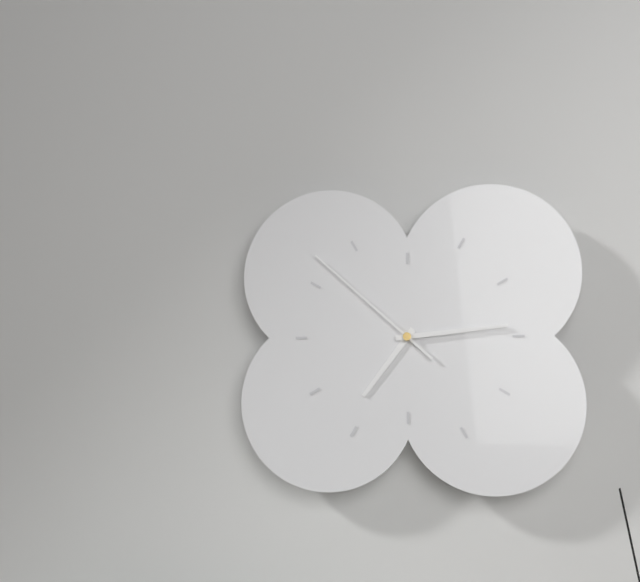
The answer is 7h14m52s
